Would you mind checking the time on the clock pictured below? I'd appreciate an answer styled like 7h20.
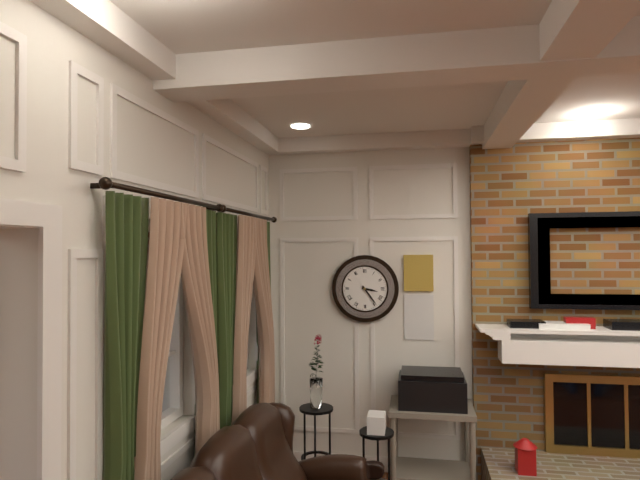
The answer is 3h24
